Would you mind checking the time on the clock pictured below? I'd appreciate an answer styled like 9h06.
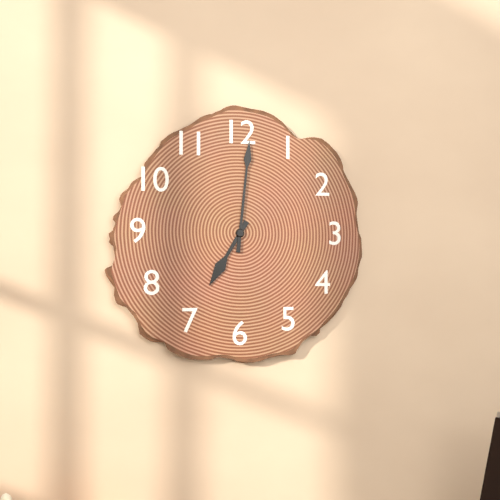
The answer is 7h01
